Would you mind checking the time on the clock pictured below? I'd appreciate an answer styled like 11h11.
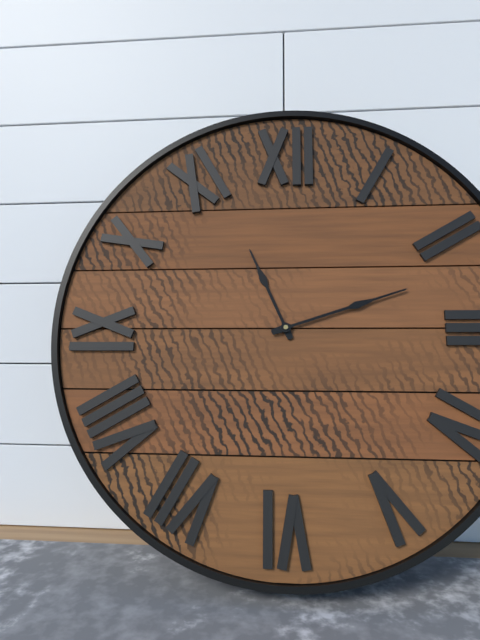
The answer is 11h12
